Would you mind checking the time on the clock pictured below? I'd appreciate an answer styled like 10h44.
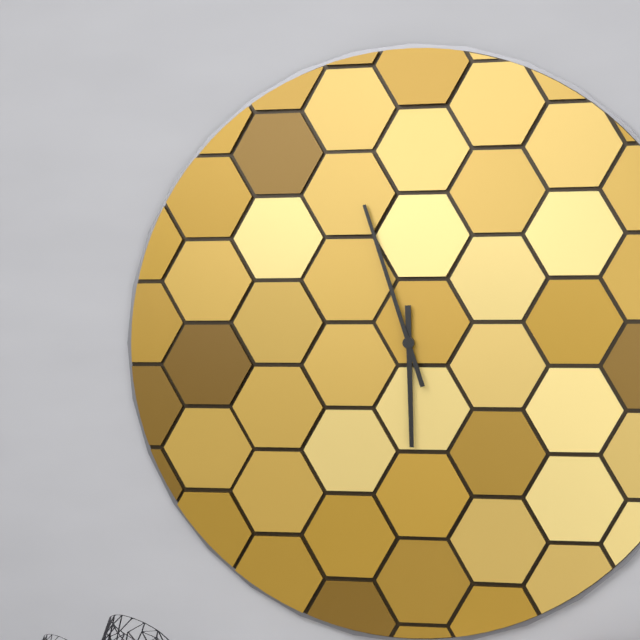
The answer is 5h57
